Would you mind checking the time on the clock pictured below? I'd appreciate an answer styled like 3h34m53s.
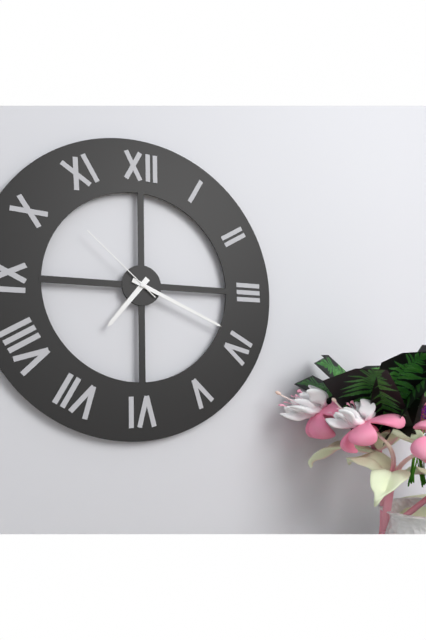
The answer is 7h19m52s
